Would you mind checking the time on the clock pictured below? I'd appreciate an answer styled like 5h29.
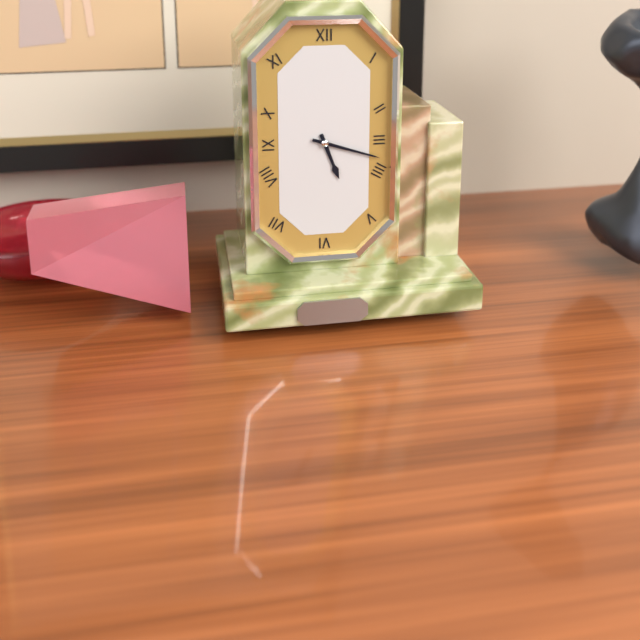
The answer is 5h18
